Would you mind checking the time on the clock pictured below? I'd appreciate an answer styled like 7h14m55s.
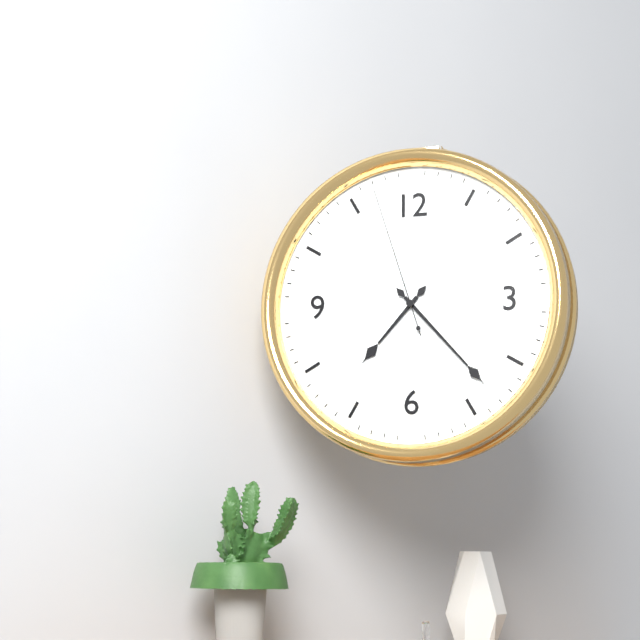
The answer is 7h23m57s
